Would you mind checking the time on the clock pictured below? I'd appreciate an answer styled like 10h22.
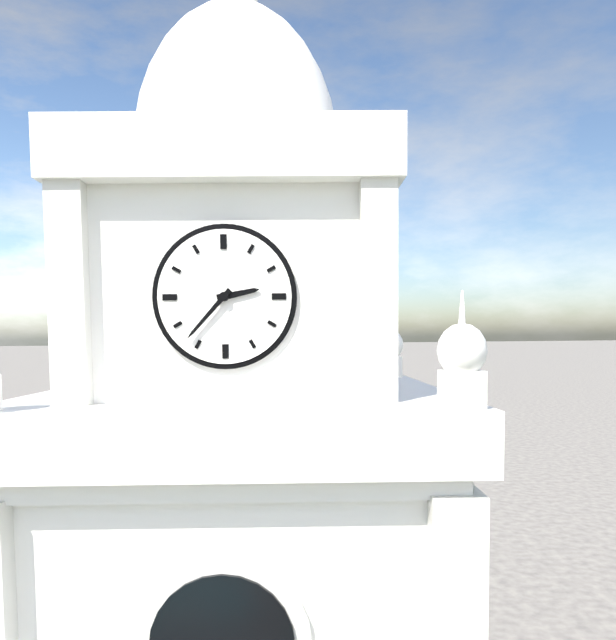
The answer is 2h37
